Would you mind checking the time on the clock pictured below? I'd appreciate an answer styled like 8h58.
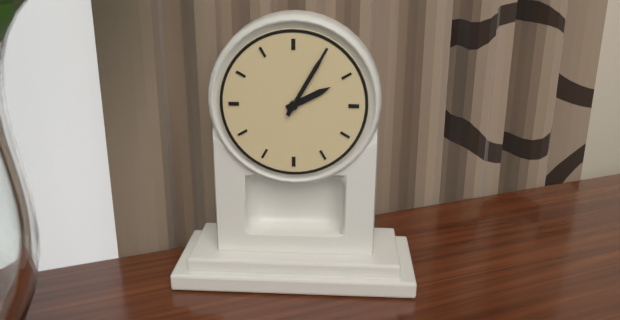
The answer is 2h05
